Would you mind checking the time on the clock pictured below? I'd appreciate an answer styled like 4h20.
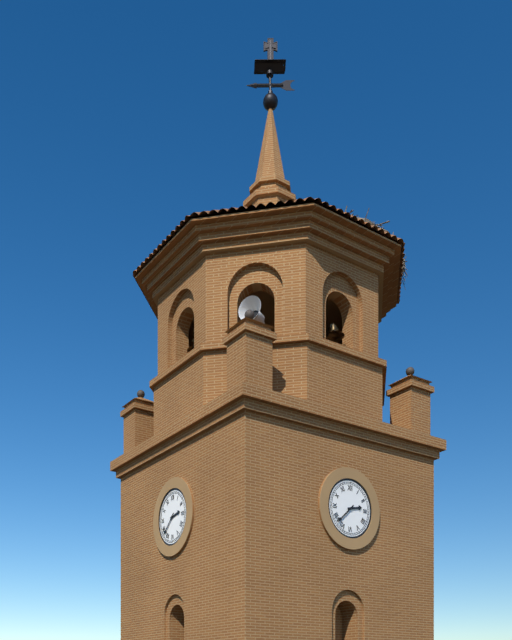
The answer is 2h38
